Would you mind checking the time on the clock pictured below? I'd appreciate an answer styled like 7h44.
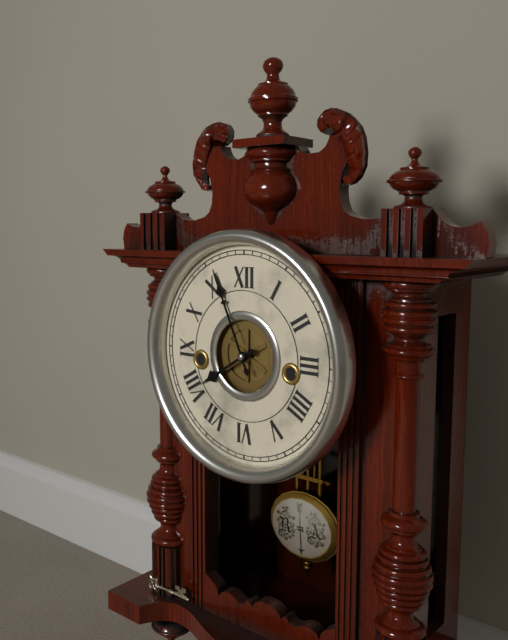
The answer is 7h56
